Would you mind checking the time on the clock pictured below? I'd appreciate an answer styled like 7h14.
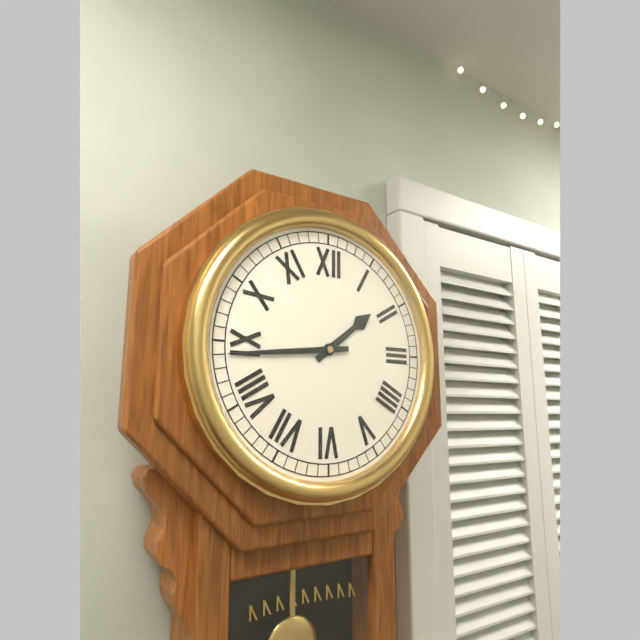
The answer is 1h44
